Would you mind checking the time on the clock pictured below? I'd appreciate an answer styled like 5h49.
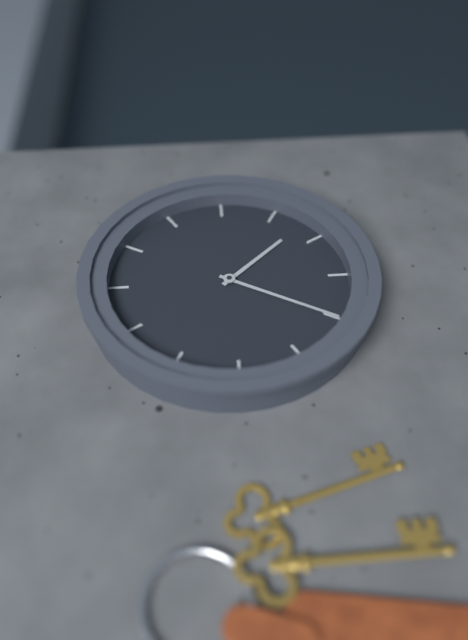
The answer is 4h35
